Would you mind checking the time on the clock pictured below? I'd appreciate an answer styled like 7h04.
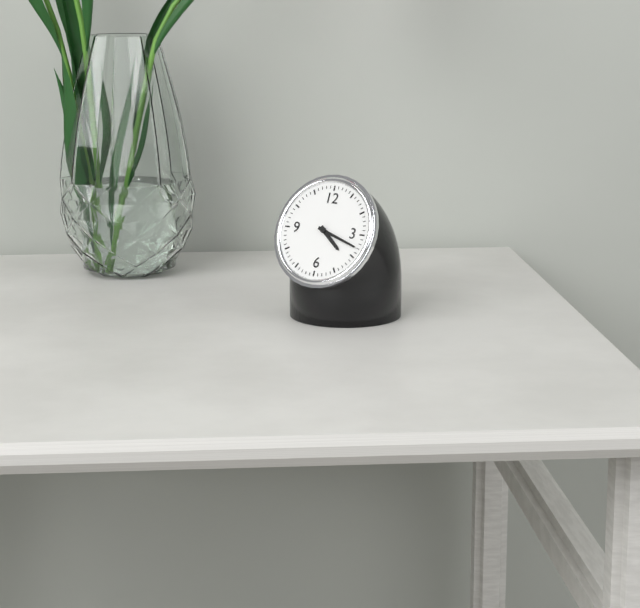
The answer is 4h18
